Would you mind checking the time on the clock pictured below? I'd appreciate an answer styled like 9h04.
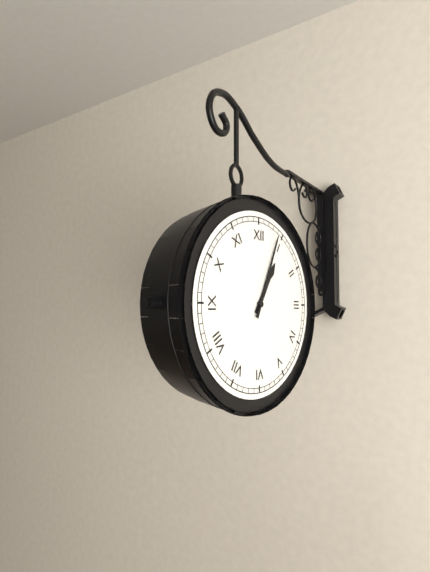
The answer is 1h04
